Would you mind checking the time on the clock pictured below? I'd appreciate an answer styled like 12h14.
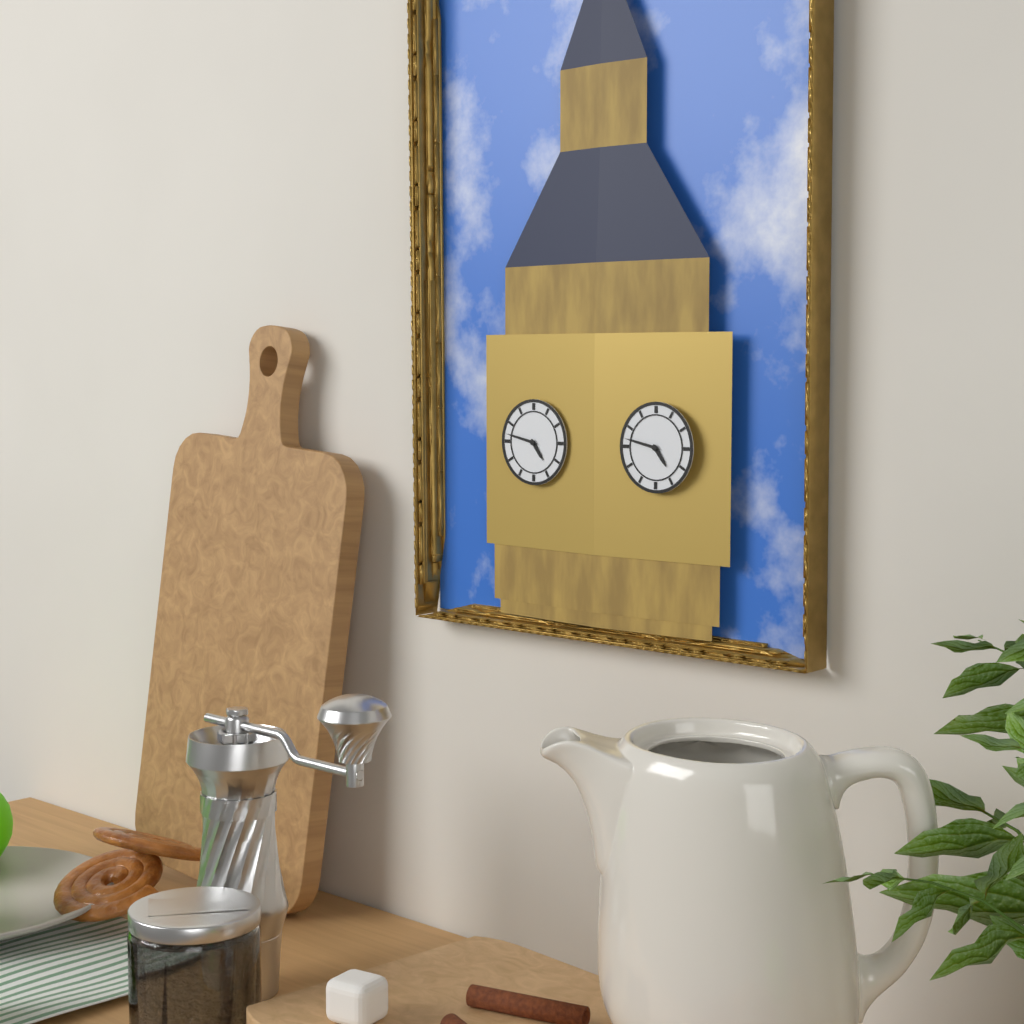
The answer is 4h47
